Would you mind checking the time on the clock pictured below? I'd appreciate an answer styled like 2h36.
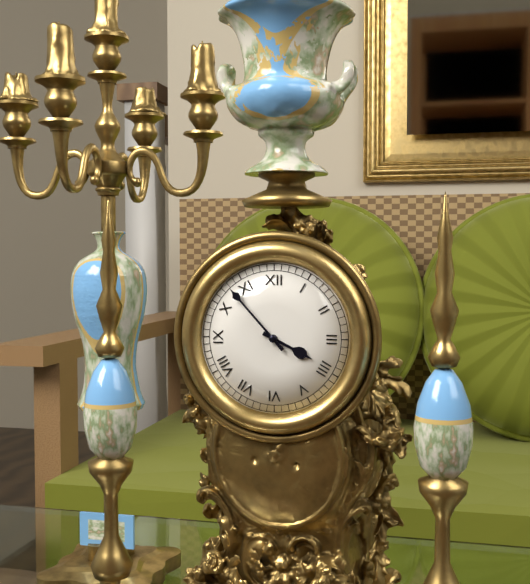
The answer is 3h53
